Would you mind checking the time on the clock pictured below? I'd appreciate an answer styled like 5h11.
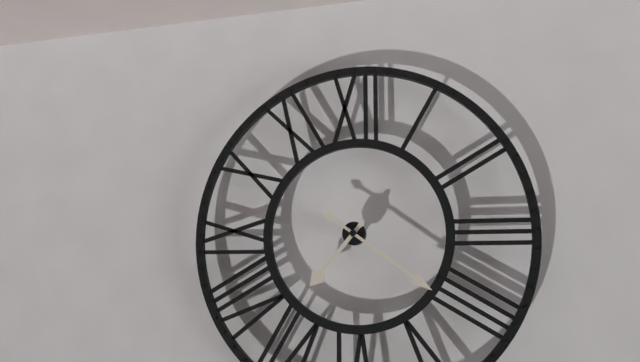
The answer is 7h21
